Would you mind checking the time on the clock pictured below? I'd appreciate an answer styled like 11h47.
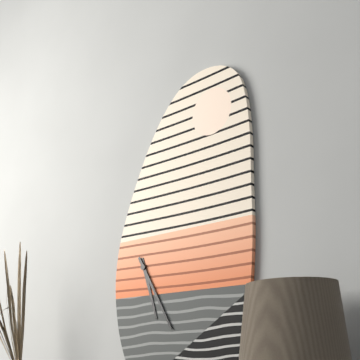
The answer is 5h25
